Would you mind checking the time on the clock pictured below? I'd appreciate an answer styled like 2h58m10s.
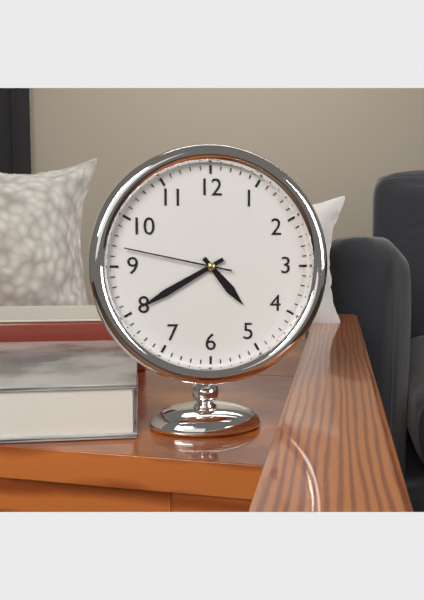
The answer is 4h40m47s
